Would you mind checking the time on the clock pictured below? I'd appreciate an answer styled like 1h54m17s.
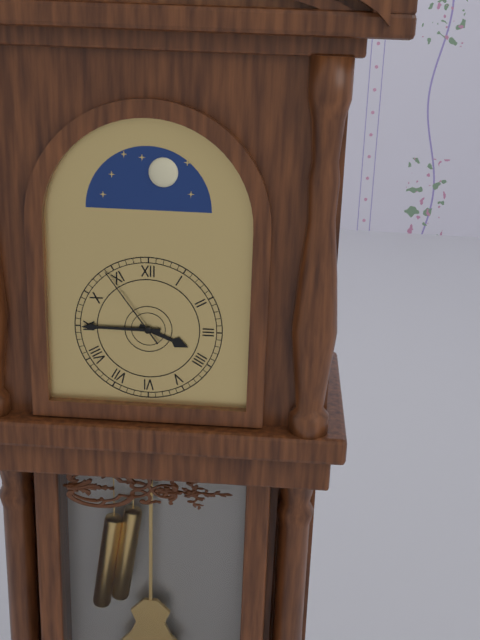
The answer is 3h45m54s
